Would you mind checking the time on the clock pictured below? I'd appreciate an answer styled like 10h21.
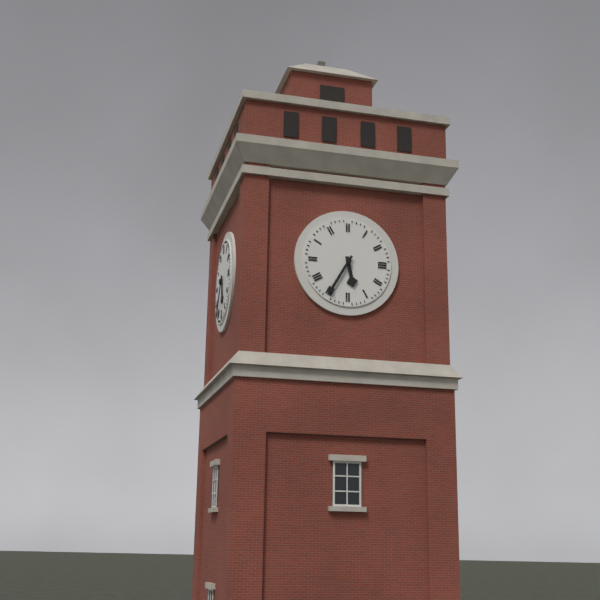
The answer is 5h35
